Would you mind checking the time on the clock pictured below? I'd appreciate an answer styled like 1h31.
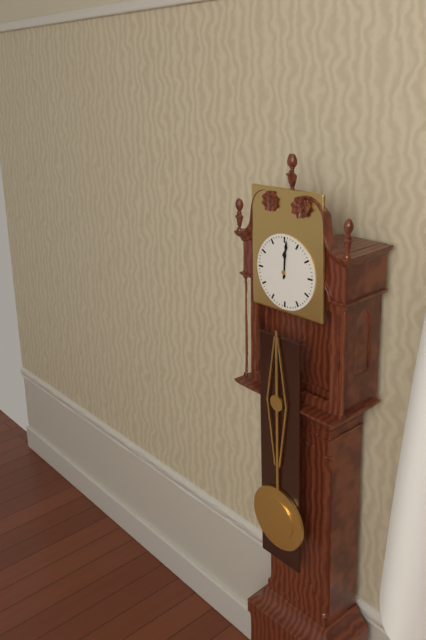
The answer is 12h01
